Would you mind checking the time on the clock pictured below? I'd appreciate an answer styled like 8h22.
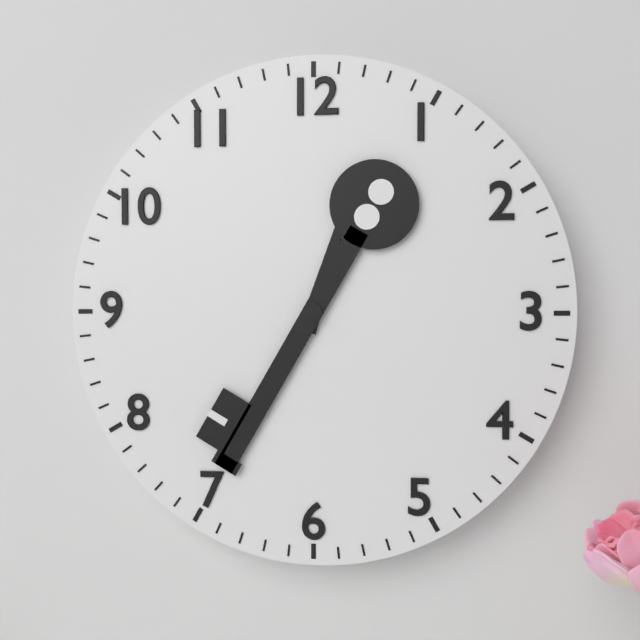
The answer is 12h35
